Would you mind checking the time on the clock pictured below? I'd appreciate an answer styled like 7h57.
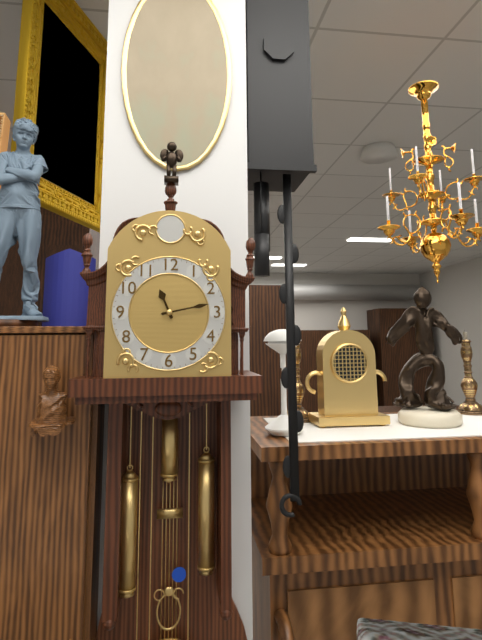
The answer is 11h13
